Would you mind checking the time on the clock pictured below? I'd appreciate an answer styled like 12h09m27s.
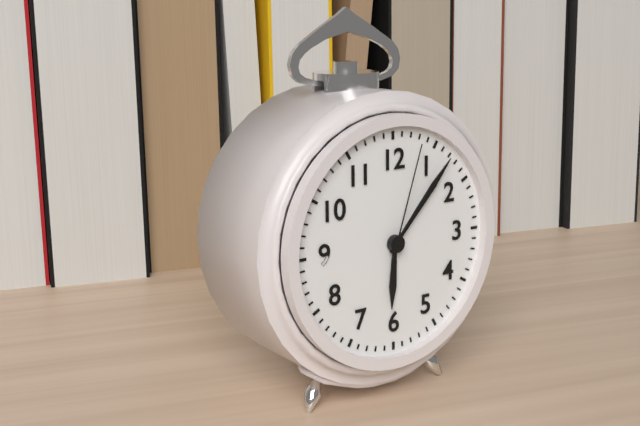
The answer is 6h07m03s
